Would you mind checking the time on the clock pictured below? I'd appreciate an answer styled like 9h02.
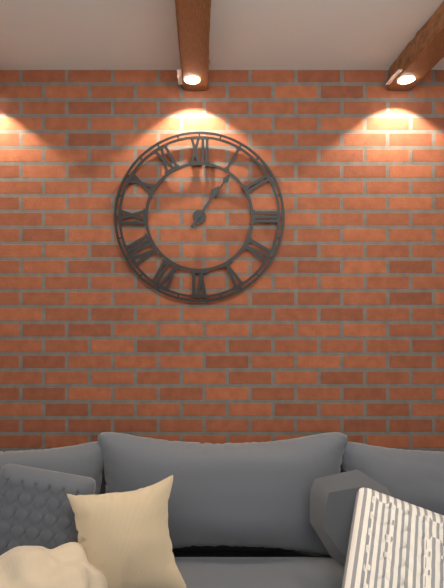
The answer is 1h06
